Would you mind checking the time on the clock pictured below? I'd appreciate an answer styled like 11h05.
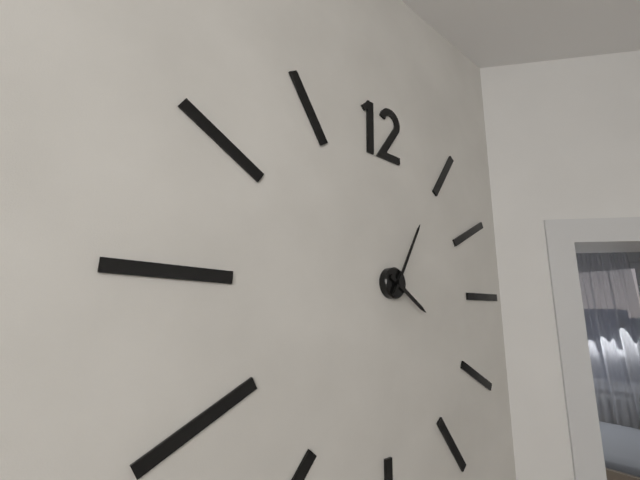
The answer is 4h05
